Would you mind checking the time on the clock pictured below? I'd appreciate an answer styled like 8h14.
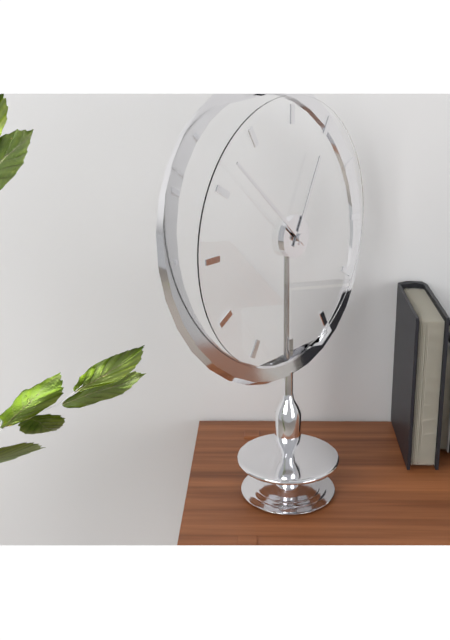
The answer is 12h52
